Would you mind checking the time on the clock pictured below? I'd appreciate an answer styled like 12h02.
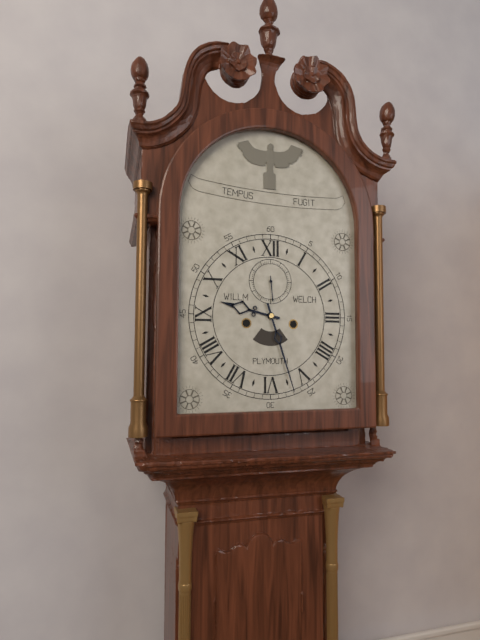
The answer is 9h27
